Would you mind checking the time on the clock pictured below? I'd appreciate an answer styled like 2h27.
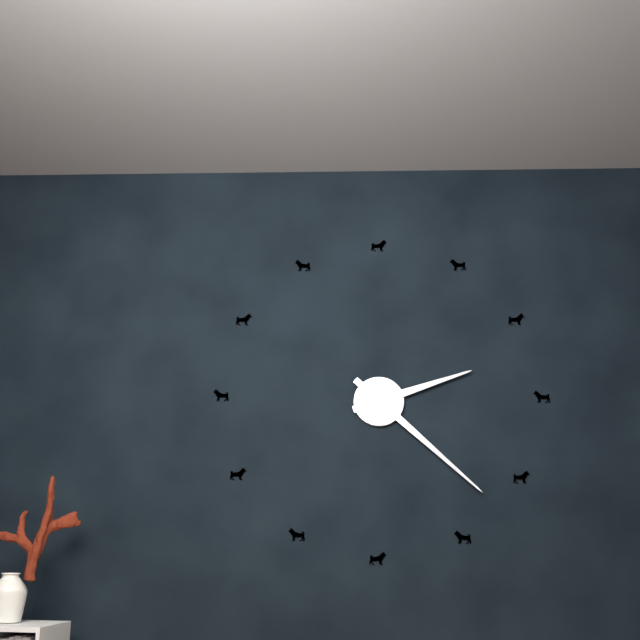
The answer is 2h22
